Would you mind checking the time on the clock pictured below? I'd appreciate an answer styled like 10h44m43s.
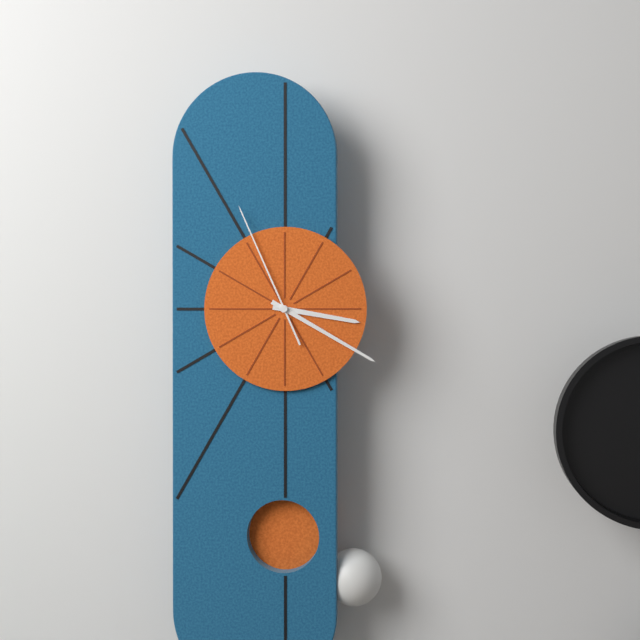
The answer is 3h20m56s
